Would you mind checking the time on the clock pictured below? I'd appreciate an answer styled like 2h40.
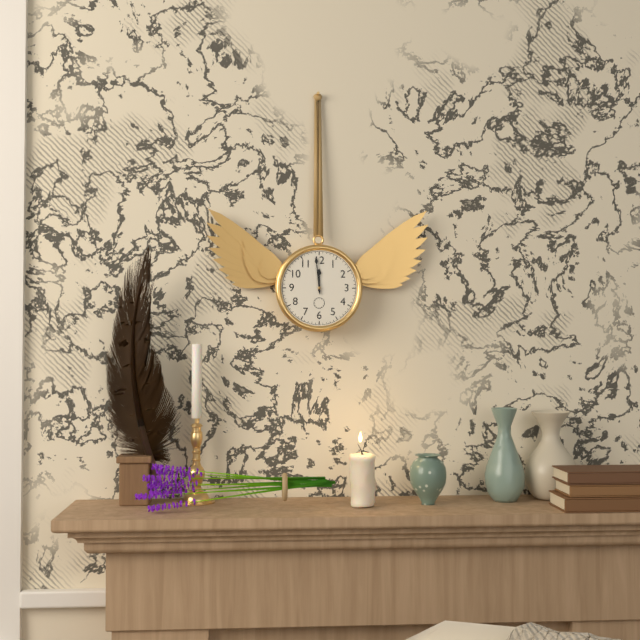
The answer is 11h59
